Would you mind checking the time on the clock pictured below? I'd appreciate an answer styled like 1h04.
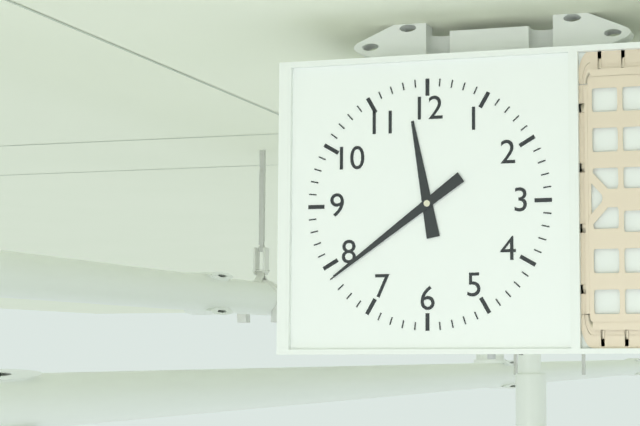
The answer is 11h39
